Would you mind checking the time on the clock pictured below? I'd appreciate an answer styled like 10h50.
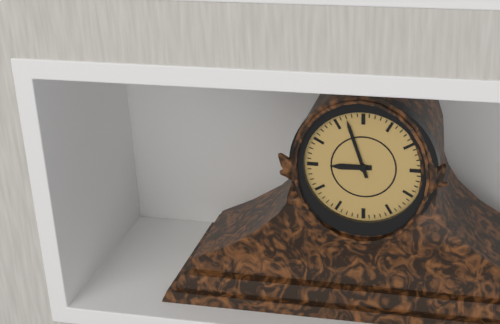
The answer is 8h57
